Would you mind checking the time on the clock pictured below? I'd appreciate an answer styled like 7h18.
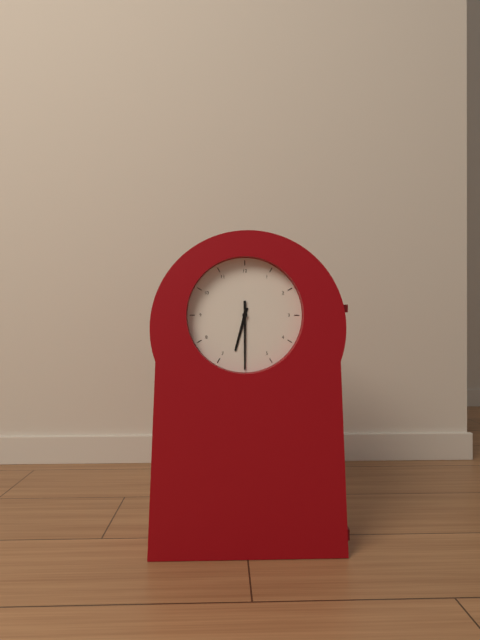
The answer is 6h30
